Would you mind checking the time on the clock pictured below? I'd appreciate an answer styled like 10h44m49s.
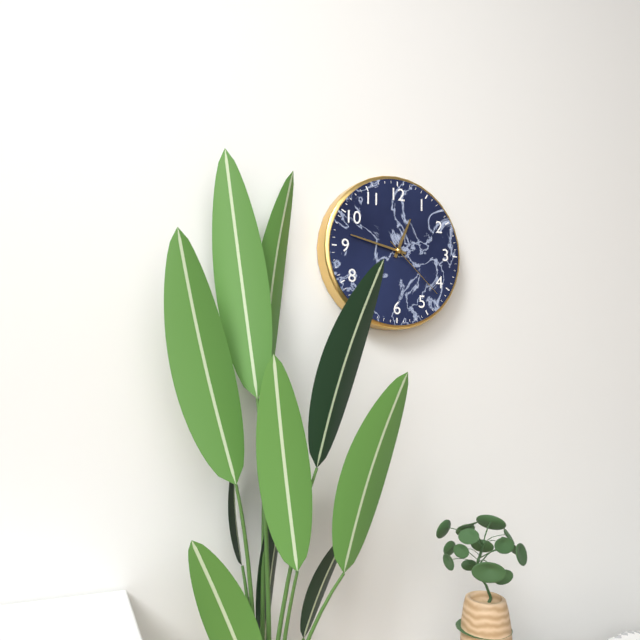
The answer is 12h47m22s
